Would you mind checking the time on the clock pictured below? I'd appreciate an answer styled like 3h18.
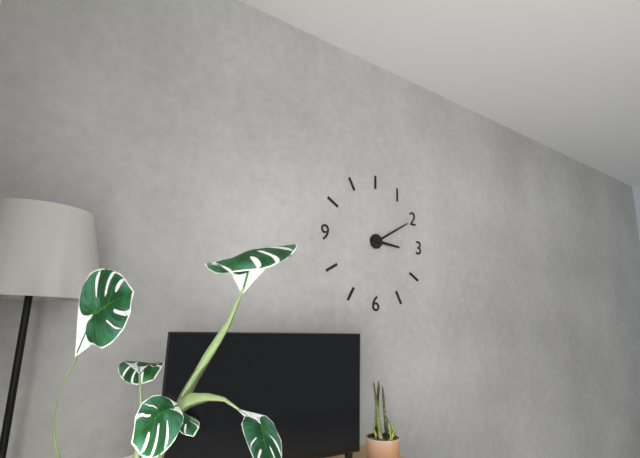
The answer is 3h10
